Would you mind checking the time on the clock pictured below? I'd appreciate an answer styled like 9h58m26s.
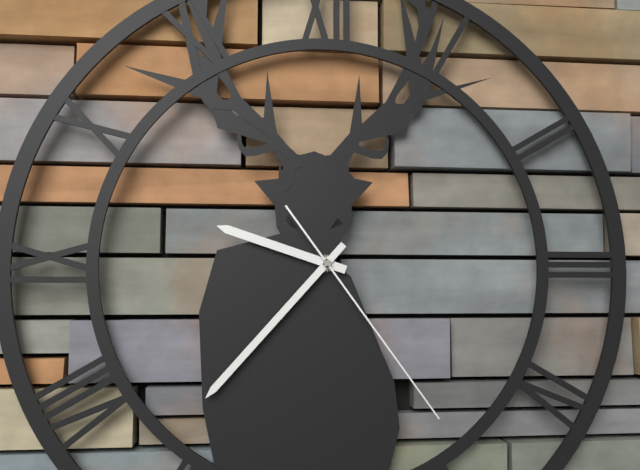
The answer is 9h37m24s
